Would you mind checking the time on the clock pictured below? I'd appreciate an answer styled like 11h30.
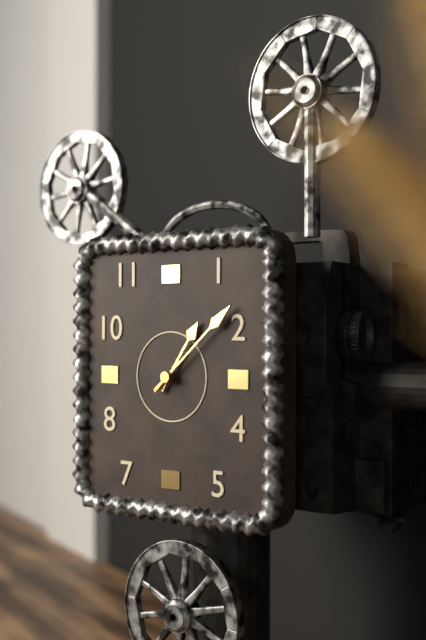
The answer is 1h08
